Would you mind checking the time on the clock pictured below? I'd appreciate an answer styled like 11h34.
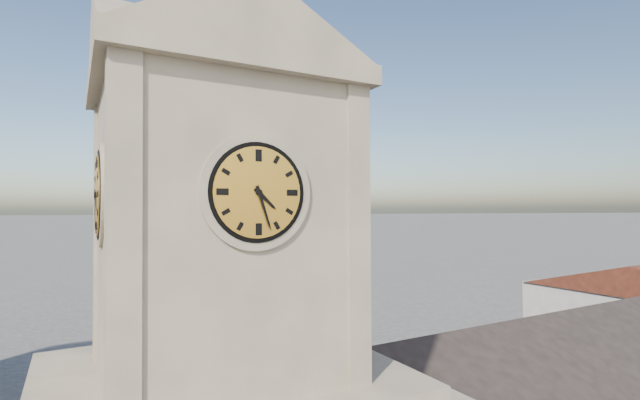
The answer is 4h27
